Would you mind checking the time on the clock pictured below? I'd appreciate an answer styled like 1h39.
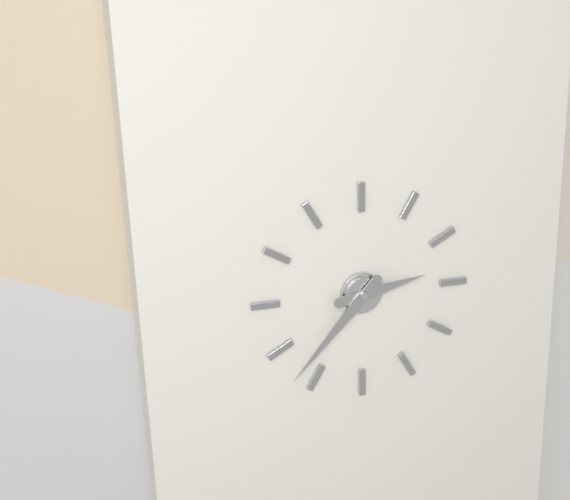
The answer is 2h37
